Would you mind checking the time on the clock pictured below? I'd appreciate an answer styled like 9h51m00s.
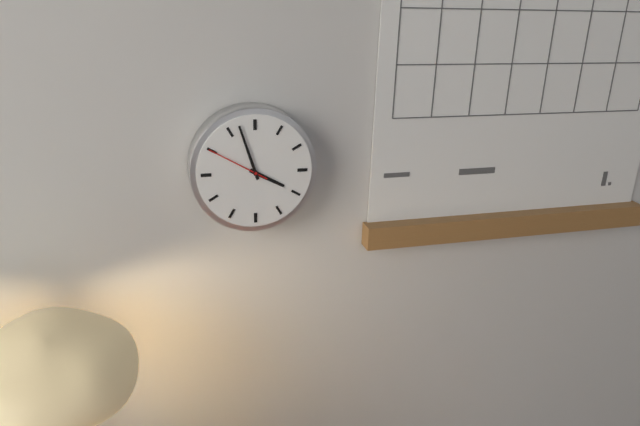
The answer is 3h57m50s
